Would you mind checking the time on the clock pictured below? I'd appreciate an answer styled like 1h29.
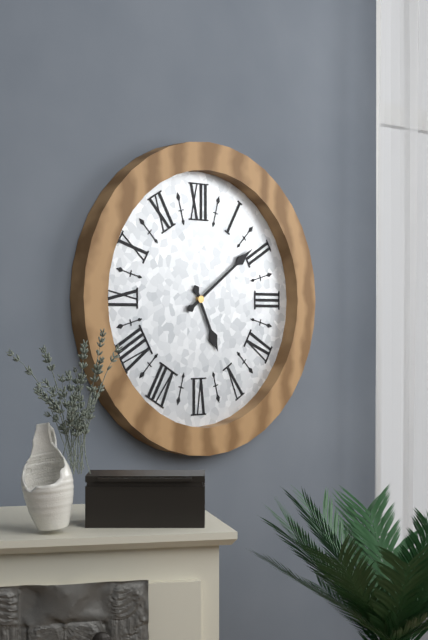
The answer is 5h09
